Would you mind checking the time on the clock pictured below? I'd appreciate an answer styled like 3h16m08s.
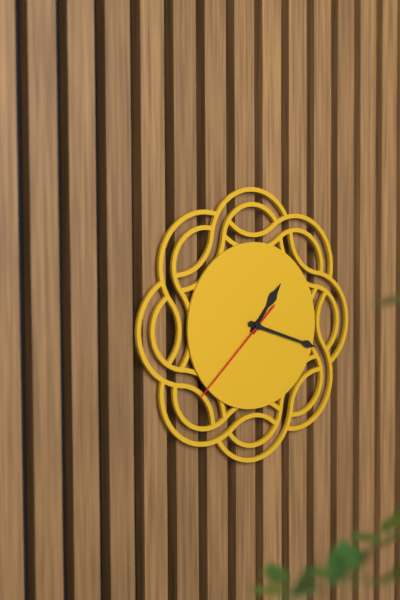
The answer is 1h18m38s
